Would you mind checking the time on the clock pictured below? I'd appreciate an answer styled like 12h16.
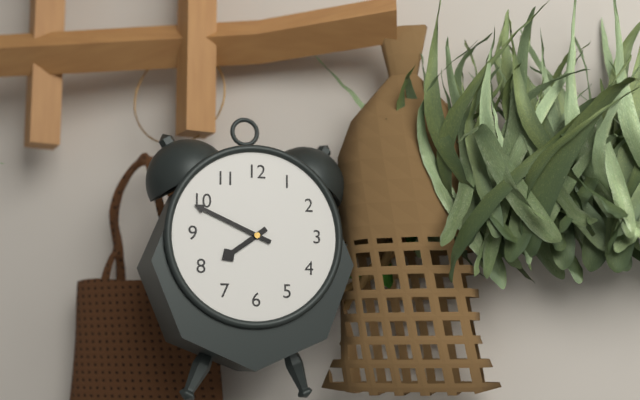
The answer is 7h49
